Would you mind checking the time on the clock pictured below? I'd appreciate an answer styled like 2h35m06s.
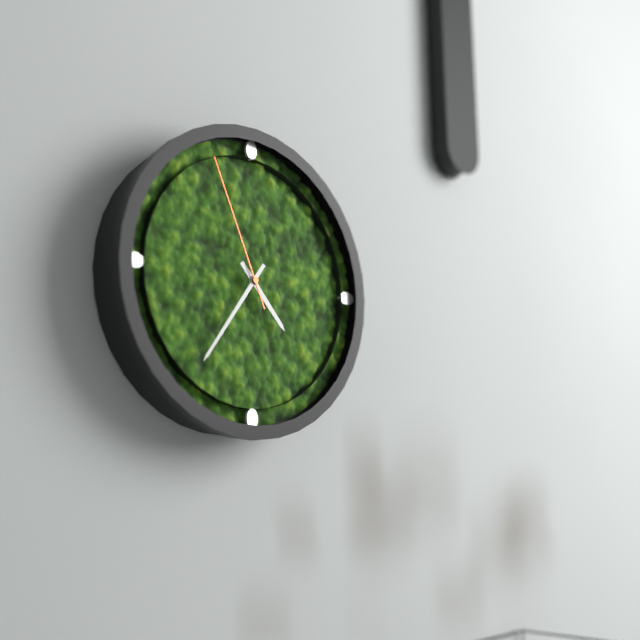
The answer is 4h36m56s
